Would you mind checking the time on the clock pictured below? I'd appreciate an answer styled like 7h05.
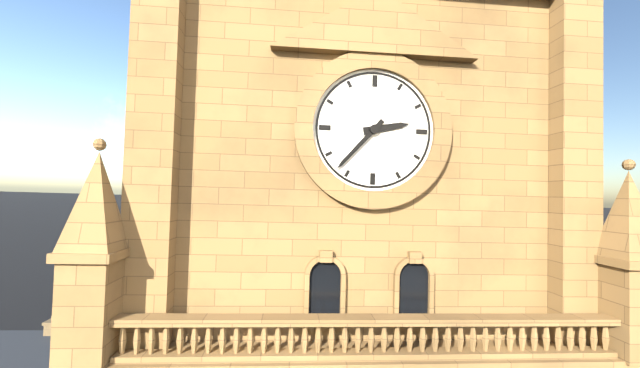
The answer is 2h37
